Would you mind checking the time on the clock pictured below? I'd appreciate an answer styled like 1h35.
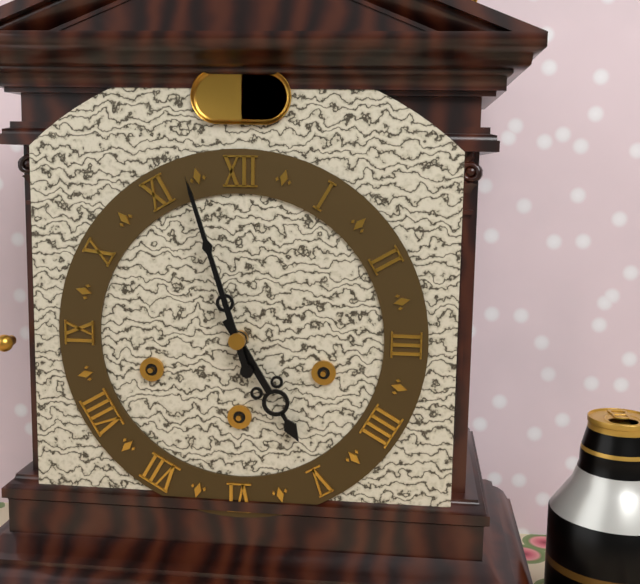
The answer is 4h57
